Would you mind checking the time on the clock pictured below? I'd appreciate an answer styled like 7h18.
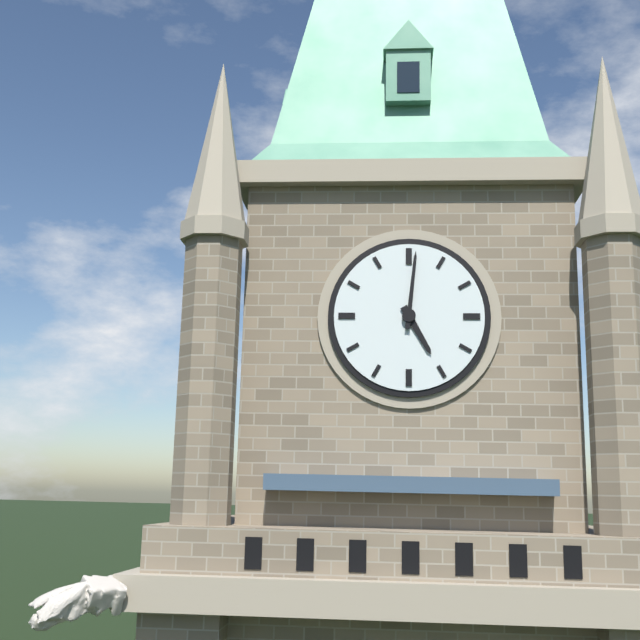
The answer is 5h01
